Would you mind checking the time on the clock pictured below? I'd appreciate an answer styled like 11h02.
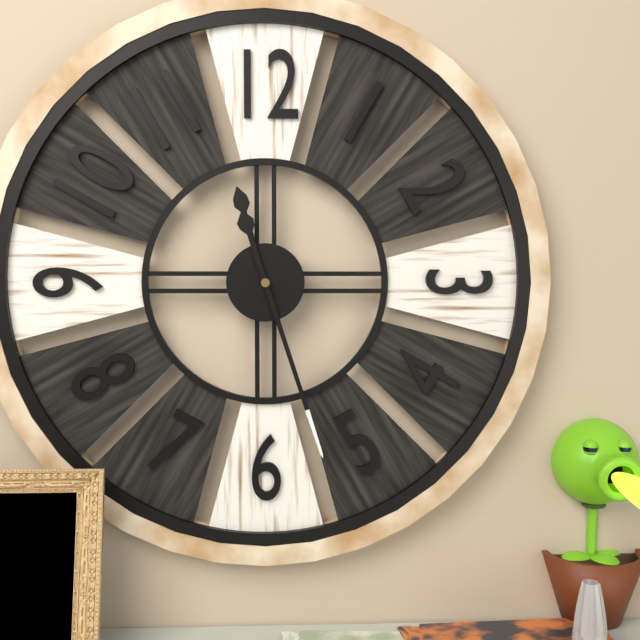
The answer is 11h27
